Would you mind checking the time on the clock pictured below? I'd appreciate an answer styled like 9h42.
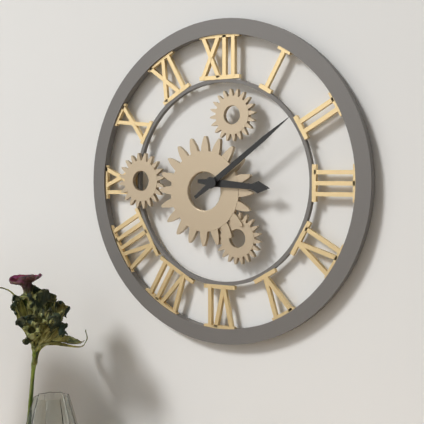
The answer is 3h09
